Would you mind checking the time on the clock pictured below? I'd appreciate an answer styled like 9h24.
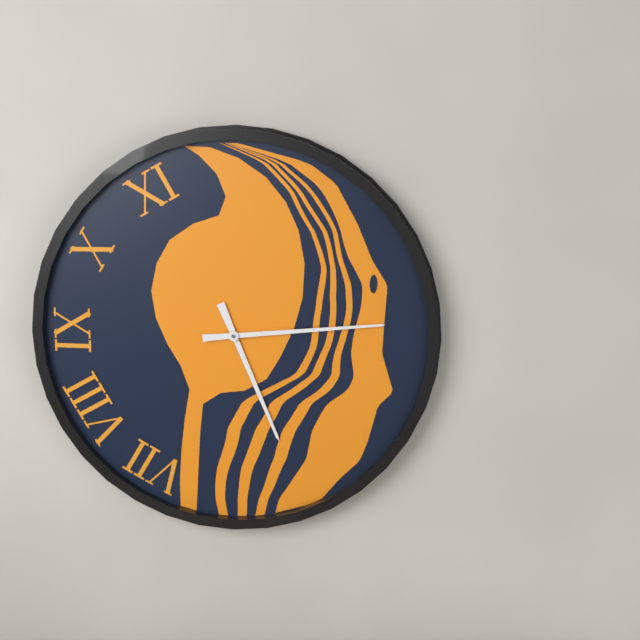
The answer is 5h14
